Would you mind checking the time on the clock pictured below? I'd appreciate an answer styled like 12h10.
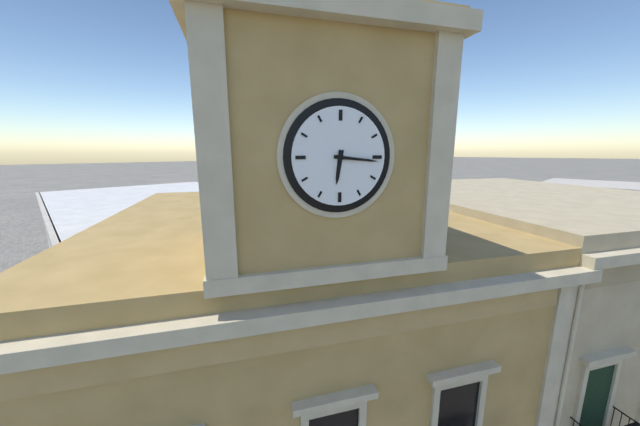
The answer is 6h16
